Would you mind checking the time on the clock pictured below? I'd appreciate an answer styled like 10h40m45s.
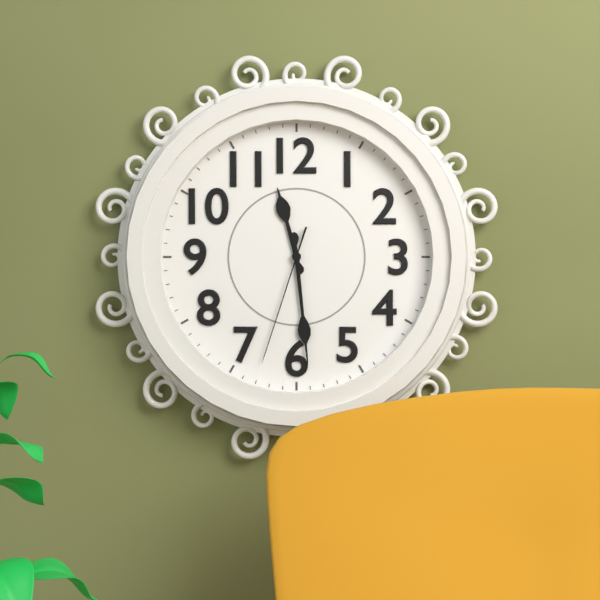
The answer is 11h29m33s
